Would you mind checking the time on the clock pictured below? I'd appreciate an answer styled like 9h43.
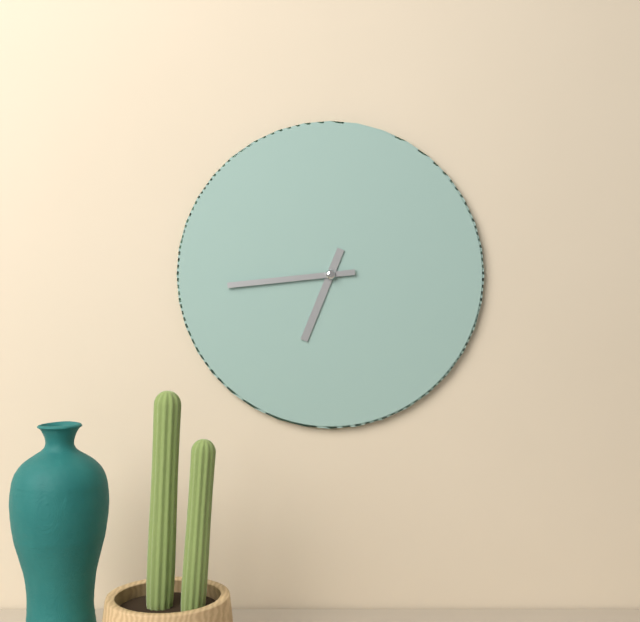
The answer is 6h44
